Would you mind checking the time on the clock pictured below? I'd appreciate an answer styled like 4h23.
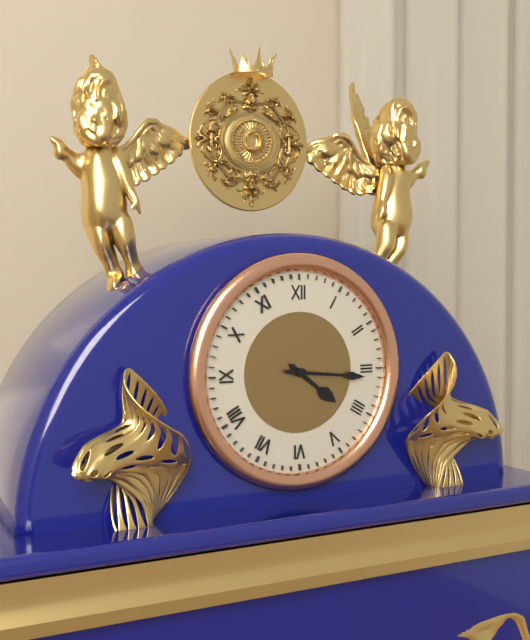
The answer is 4h16
